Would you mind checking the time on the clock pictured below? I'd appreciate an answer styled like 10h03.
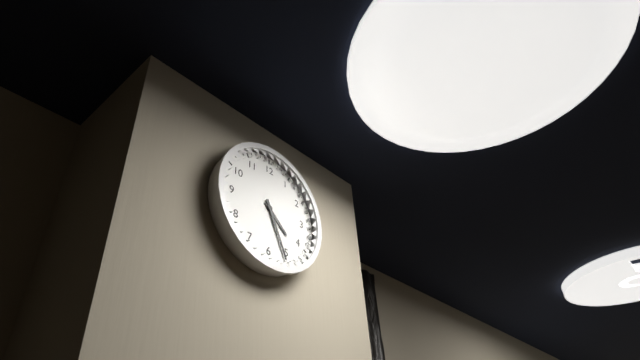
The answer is 4h26
